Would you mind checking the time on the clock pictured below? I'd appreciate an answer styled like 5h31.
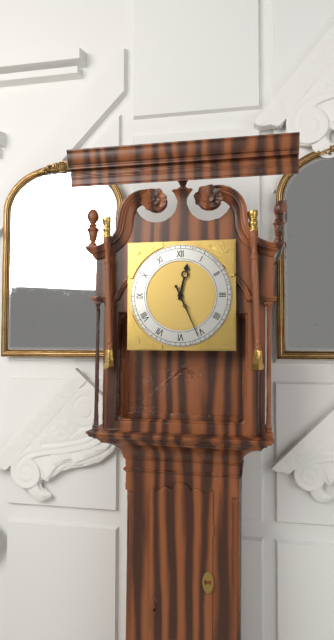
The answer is 12h26
